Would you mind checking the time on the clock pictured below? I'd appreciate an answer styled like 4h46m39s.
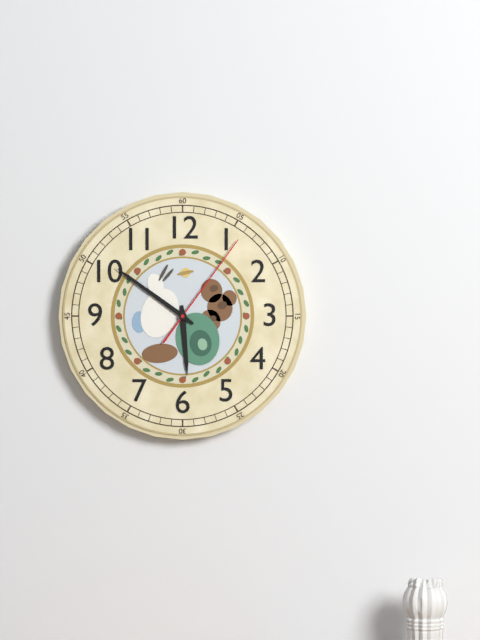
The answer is 5h51m06s
